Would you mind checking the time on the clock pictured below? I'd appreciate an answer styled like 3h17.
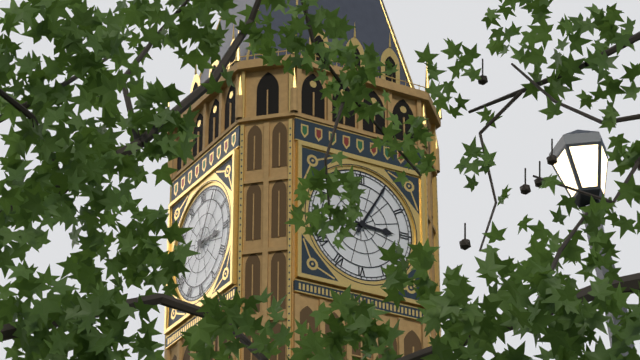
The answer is 3h05
